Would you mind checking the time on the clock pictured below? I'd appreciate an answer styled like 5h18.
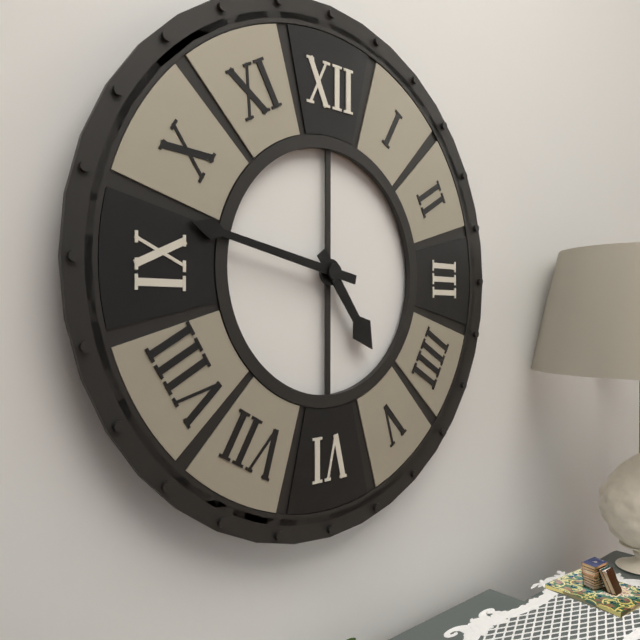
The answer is 4h47
